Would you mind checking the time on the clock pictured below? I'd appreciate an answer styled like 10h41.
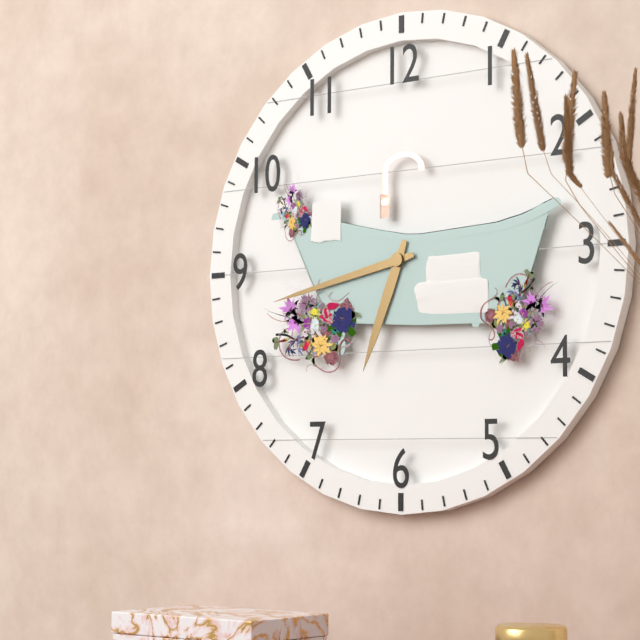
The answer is 6h43
